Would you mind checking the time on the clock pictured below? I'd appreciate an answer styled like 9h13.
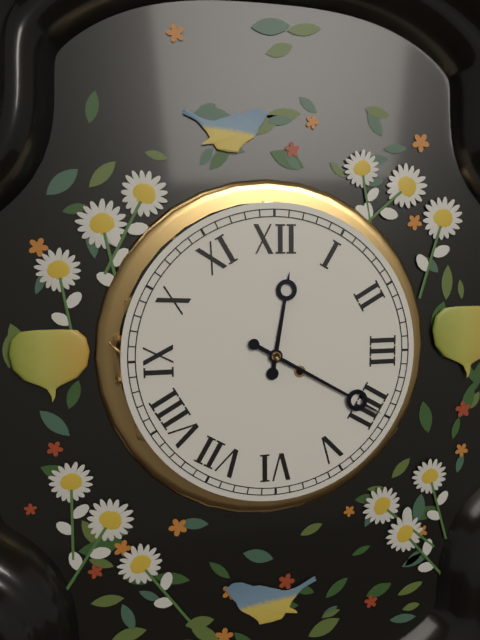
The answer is 12h20
